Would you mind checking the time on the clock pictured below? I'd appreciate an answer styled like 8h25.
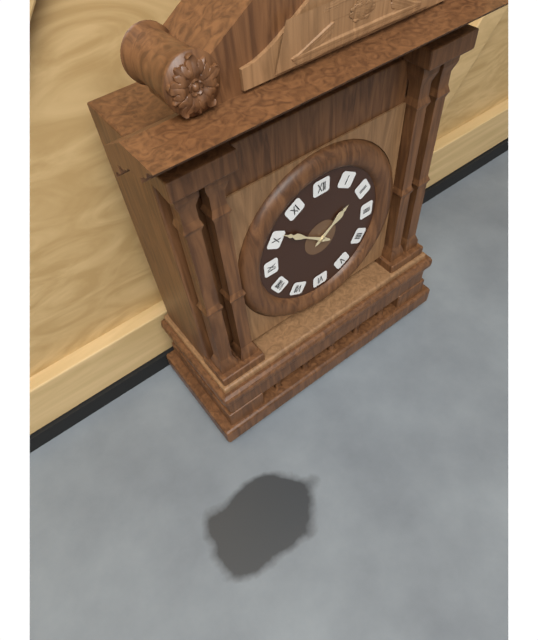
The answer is 1h51
